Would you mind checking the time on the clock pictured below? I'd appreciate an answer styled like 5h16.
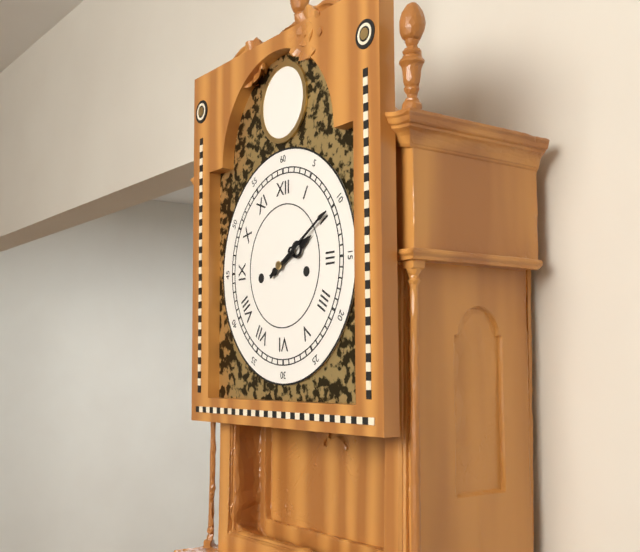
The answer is 2h10
